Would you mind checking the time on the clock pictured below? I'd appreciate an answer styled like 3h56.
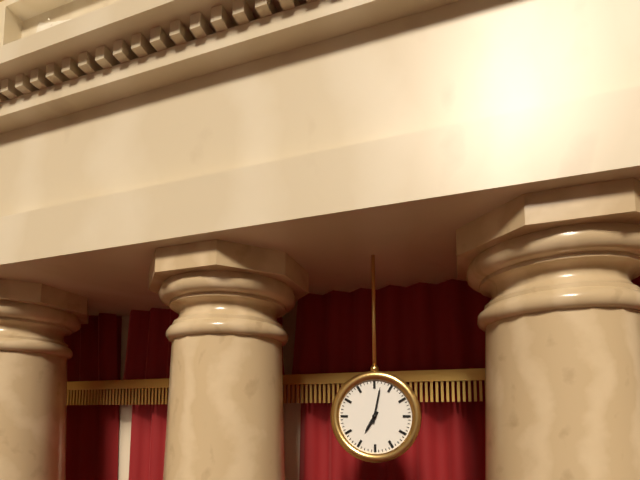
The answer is 7h02
